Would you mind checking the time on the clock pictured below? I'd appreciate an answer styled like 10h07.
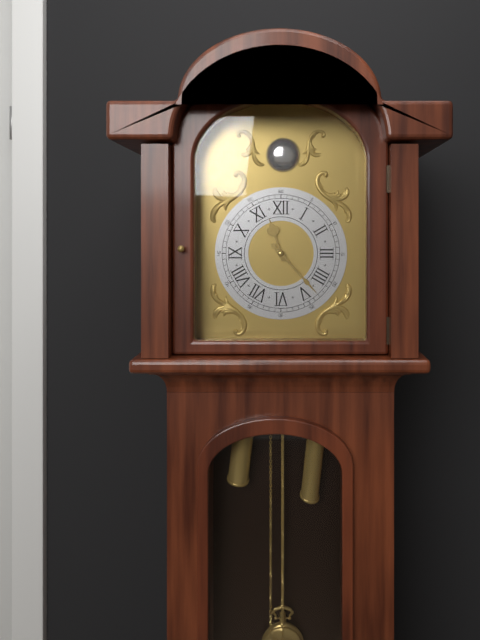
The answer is 11h23
